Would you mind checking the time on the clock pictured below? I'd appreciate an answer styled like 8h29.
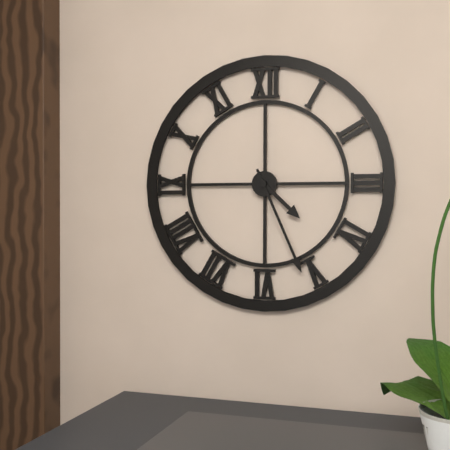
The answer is 4h26
